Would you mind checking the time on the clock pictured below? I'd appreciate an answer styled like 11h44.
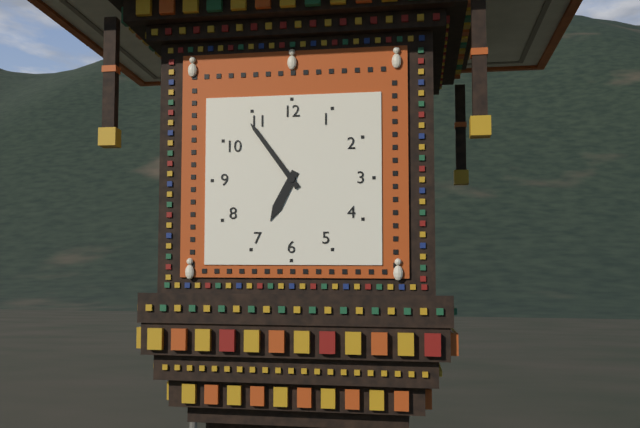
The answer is 6h54
